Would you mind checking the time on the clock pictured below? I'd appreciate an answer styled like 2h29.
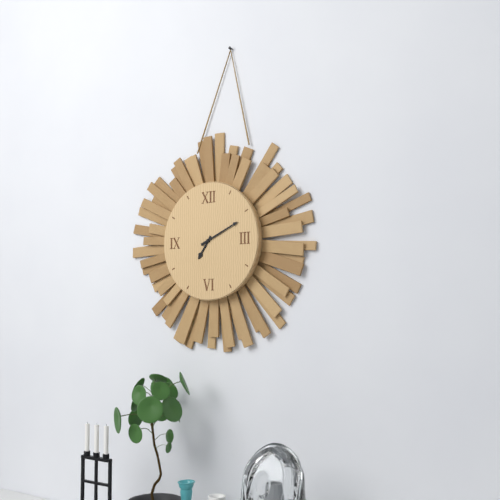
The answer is 7h11
